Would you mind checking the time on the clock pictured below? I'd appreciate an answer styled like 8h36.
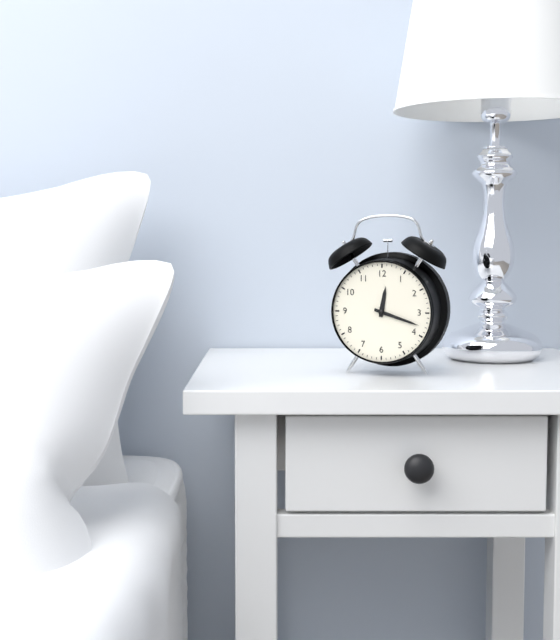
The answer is 12h18
